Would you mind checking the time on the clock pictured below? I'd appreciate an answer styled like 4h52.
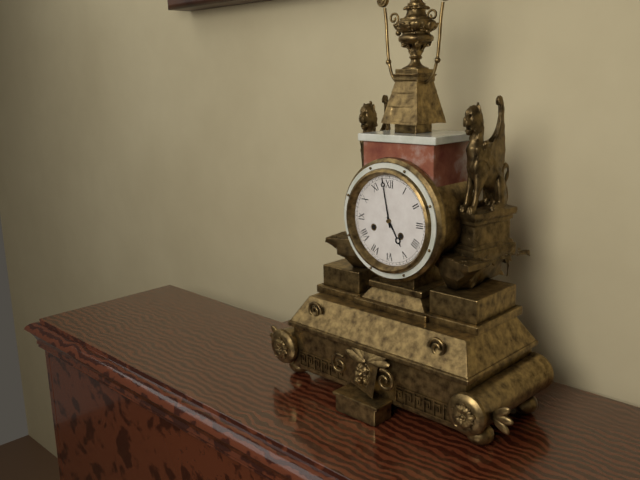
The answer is 4h58
